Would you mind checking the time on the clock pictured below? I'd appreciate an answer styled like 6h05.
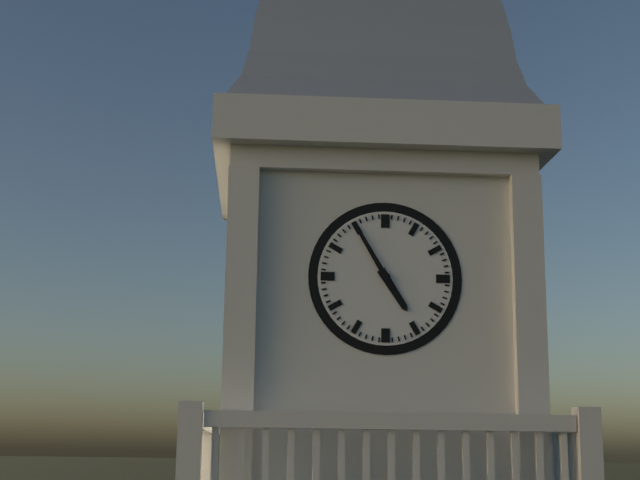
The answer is 4h55
